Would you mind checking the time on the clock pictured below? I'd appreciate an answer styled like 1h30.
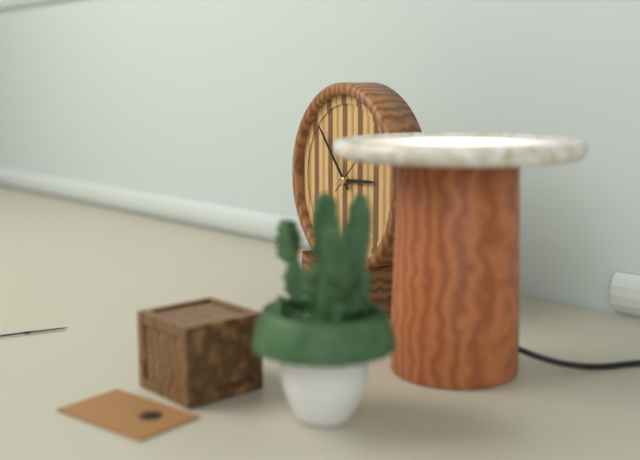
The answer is 2h53
